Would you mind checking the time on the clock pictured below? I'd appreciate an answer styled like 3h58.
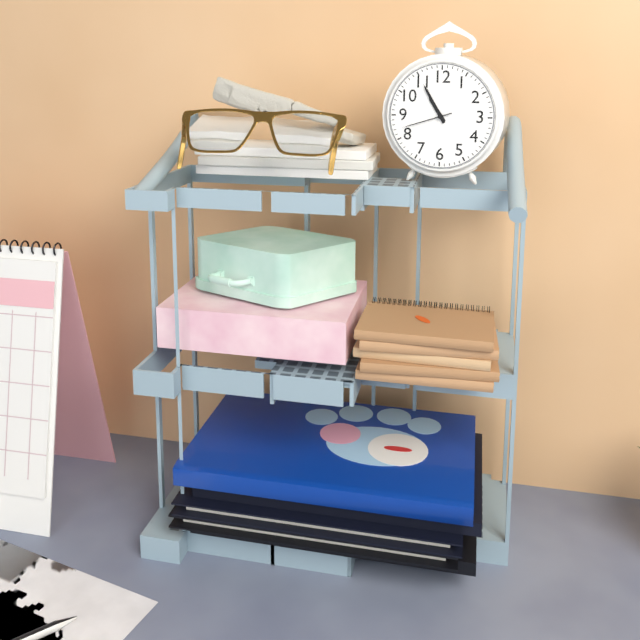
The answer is 10h55
